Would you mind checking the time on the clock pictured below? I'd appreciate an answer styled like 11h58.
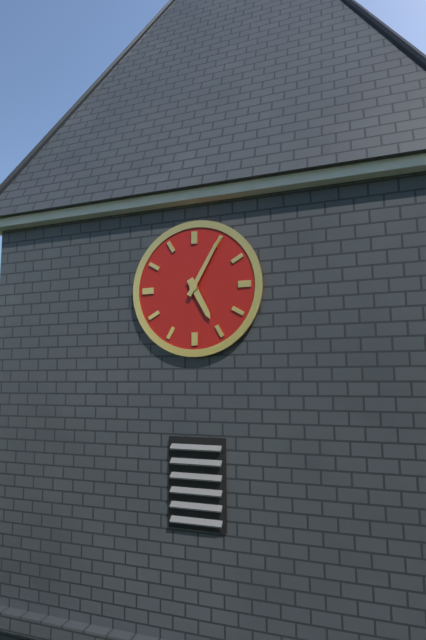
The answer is 5h05
